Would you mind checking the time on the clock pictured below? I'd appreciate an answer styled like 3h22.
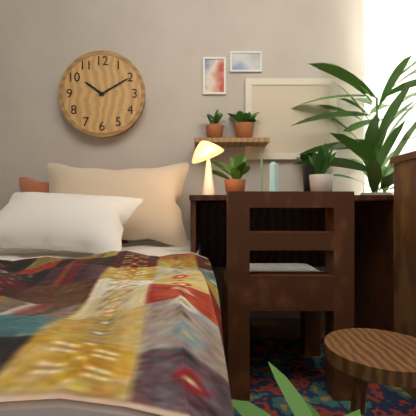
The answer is 10h10
